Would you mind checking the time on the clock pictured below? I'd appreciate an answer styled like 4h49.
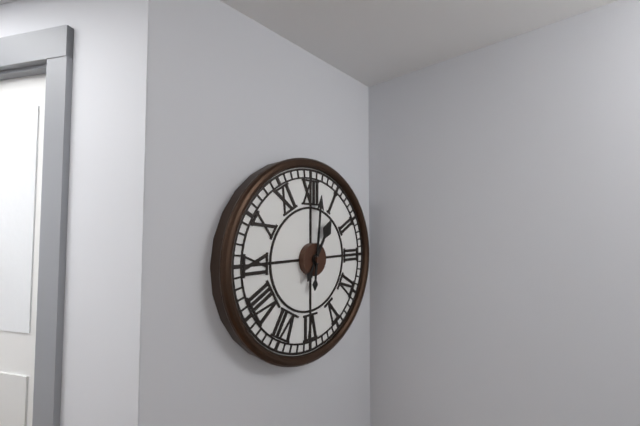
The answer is 1h01
